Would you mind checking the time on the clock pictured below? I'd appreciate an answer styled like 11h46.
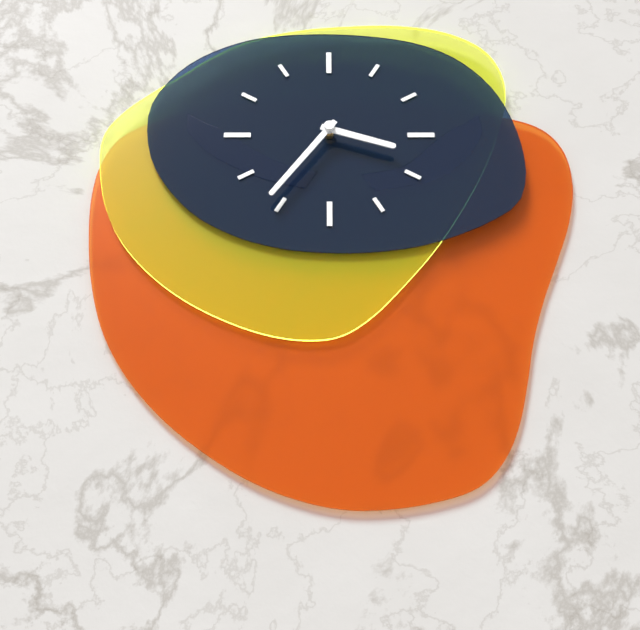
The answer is 3h36
